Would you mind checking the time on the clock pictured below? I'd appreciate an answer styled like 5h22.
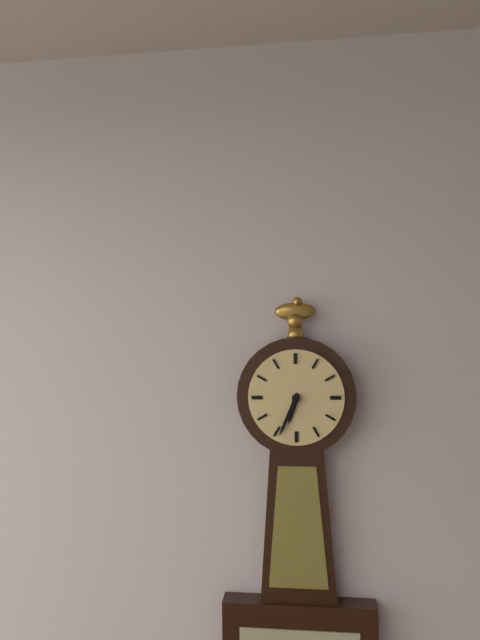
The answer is 6h34
